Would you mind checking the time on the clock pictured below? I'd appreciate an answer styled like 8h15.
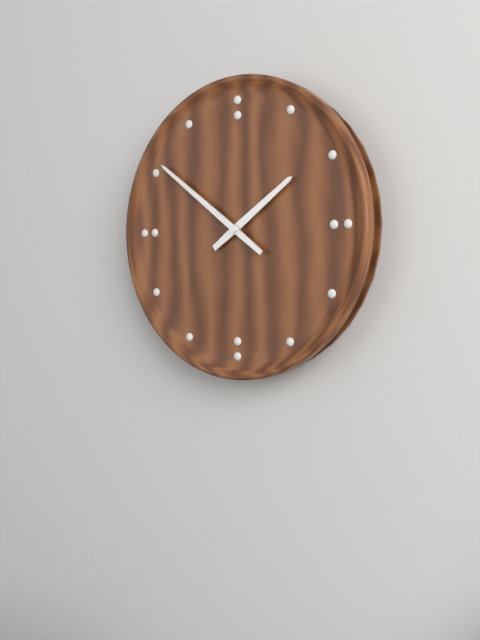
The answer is 1h51
